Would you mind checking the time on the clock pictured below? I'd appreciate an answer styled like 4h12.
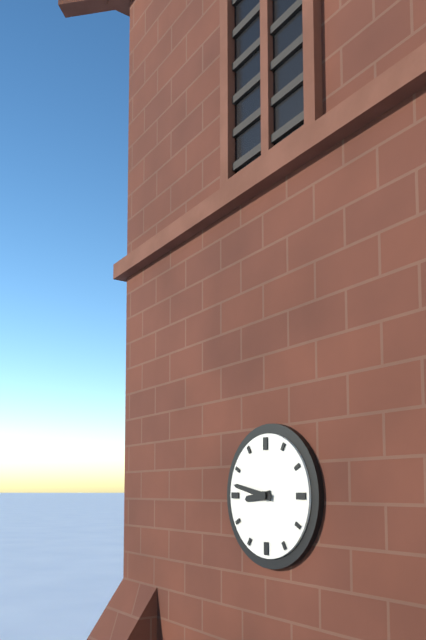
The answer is 8h47
